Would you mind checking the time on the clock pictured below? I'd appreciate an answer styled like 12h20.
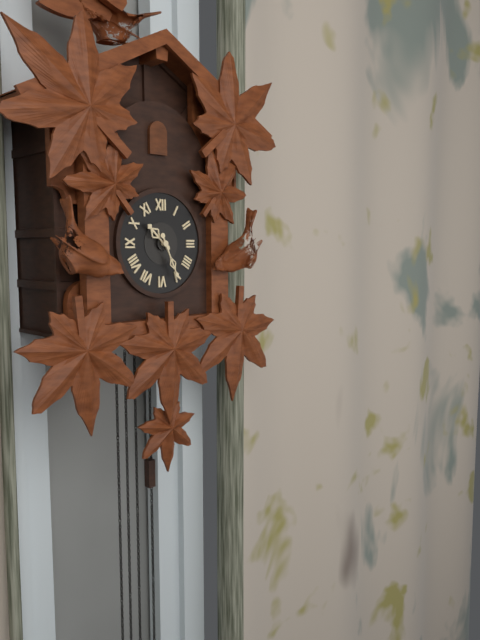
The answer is 10h26
